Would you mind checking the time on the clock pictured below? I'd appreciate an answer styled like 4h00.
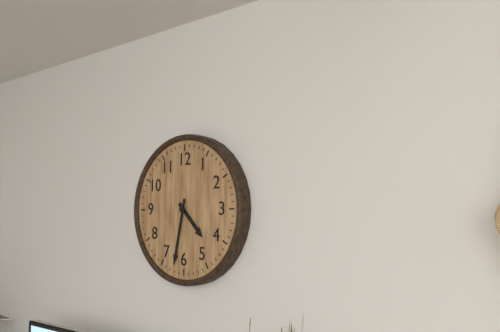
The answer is 4h32
